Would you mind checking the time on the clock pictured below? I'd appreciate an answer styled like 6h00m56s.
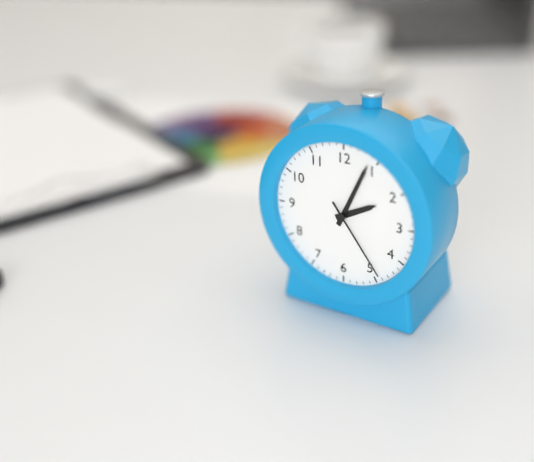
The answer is 2h04m24s
